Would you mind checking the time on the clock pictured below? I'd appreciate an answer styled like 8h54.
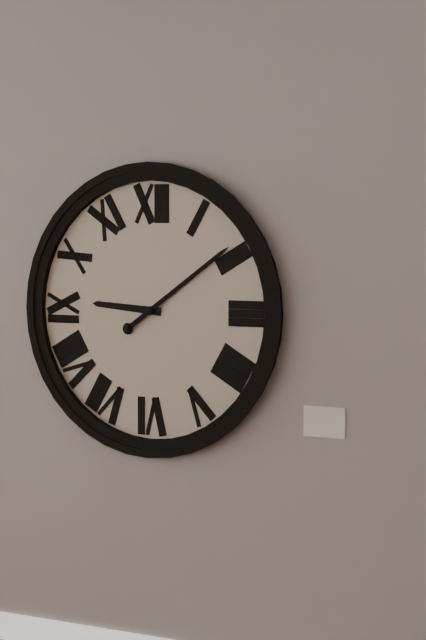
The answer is 9h09
